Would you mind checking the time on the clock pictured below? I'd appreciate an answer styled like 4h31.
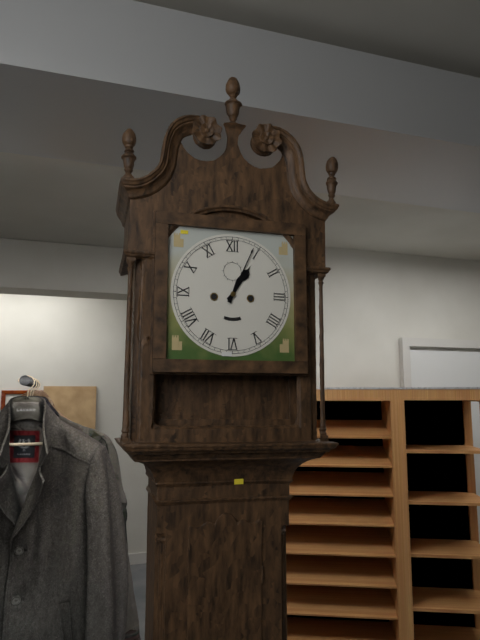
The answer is 1h04
